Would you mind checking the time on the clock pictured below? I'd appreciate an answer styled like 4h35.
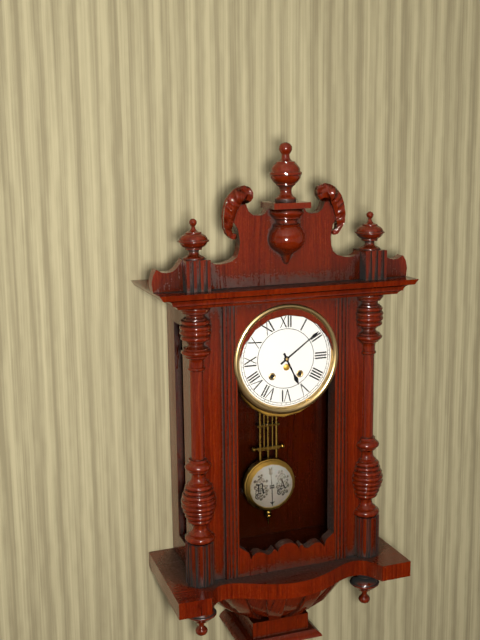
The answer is 5h09
